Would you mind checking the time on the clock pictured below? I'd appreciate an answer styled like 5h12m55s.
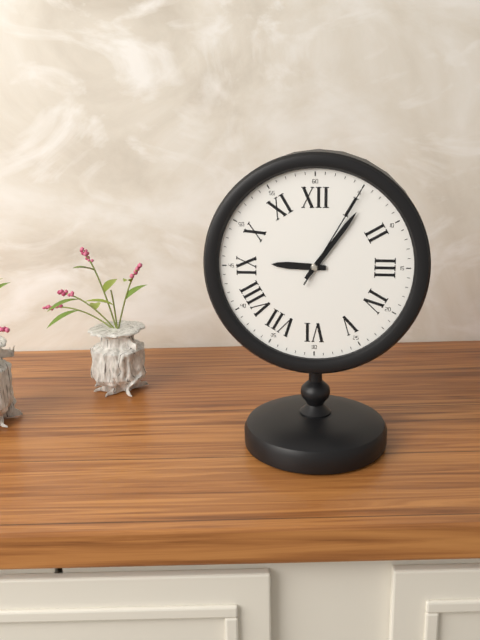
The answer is 9h06m05s
